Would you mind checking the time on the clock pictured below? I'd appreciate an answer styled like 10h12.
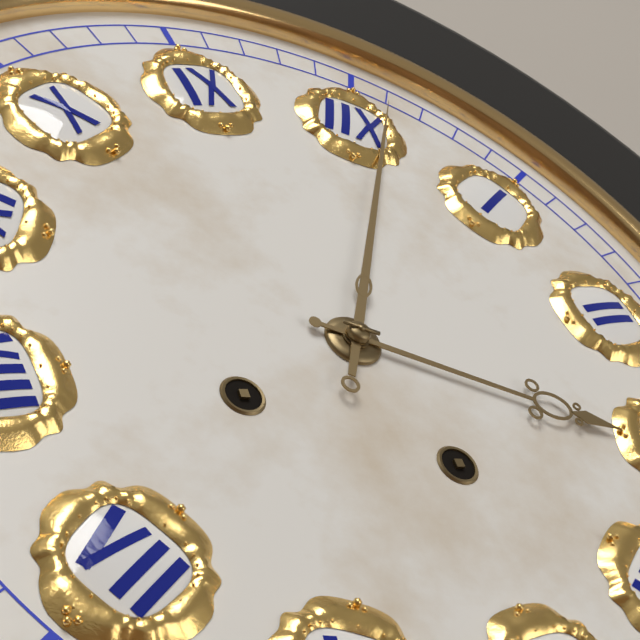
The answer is 3h01
